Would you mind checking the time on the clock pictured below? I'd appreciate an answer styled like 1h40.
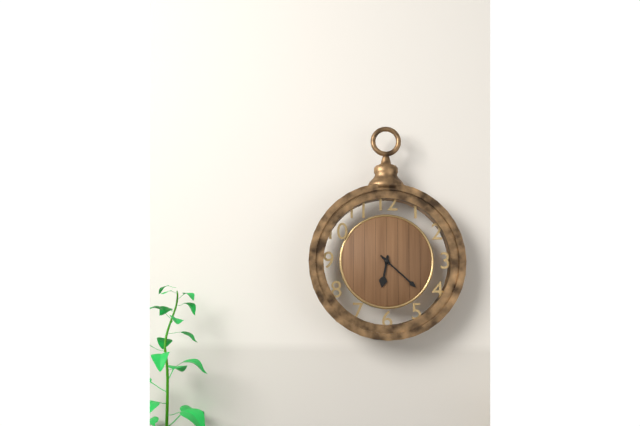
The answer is 6h22
